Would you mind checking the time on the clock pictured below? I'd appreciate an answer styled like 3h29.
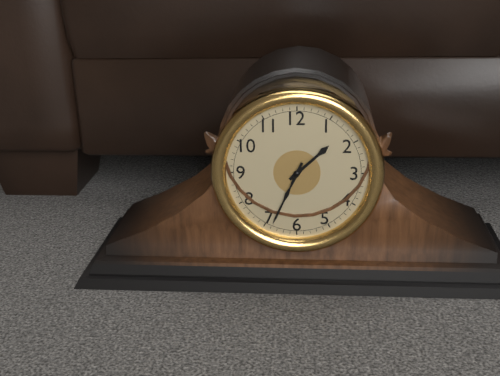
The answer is 1h34
